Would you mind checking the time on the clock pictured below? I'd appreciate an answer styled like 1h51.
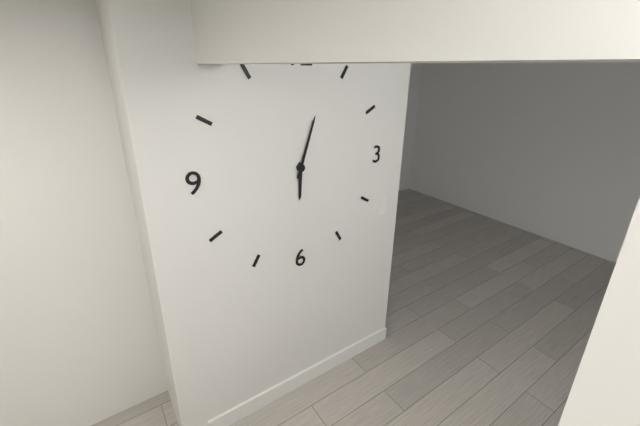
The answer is 6h03
